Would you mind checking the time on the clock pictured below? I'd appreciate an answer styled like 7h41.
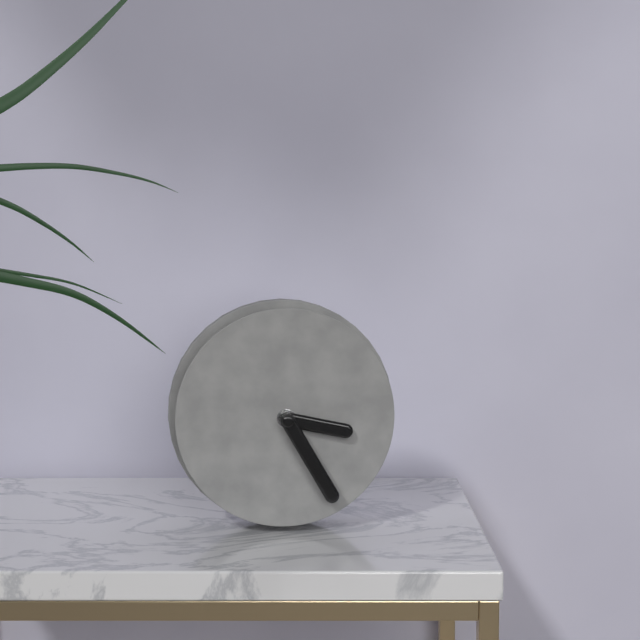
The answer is 3h25
